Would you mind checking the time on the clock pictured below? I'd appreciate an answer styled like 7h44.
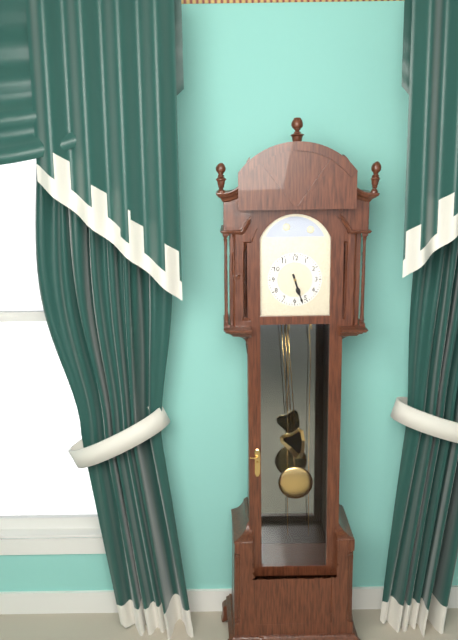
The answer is 5h27
